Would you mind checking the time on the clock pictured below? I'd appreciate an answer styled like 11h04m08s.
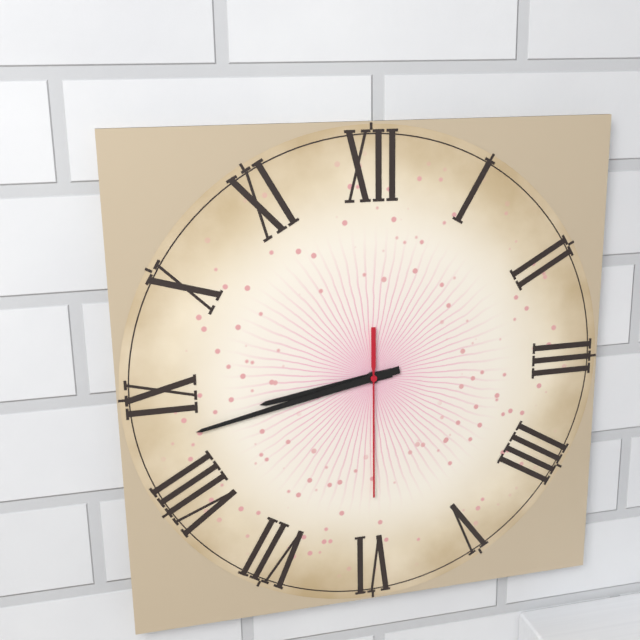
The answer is 8h43m30s
